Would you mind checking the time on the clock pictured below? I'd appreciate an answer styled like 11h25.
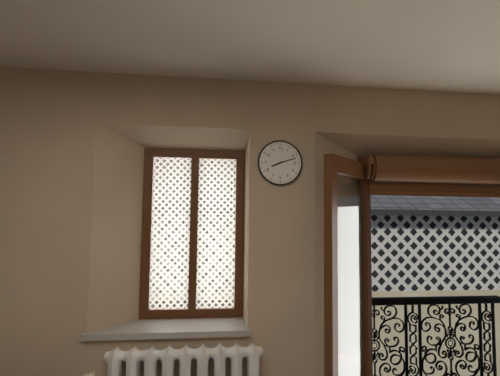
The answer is 8h12
